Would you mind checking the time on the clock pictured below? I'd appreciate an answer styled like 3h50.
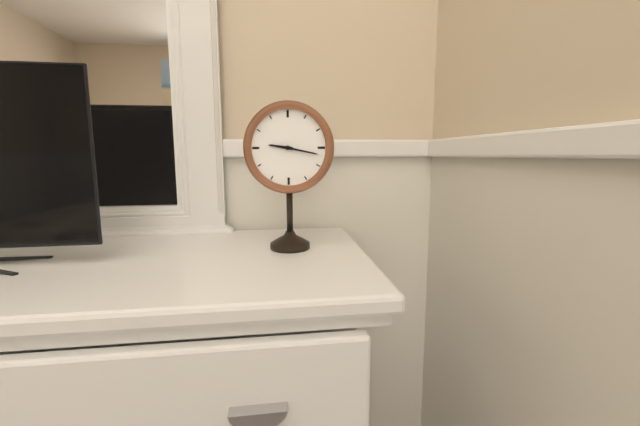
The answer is 9h17
